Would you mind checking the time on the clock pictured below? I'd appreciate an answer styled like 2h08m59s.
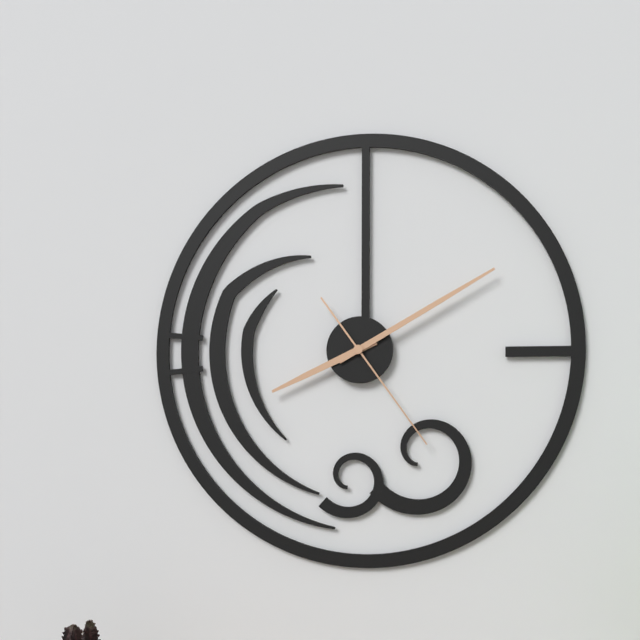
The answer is 8h10m24s
